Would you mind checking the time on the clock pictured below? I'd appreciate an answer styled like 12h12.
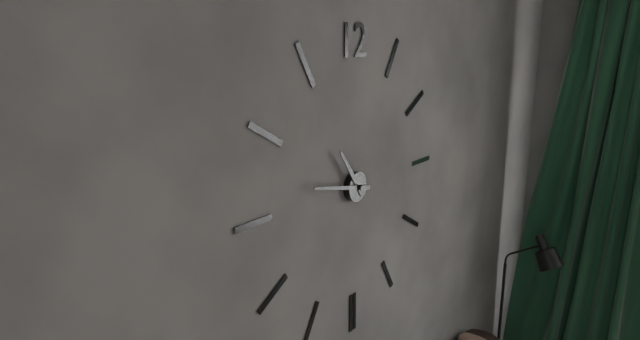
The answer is 10h47
